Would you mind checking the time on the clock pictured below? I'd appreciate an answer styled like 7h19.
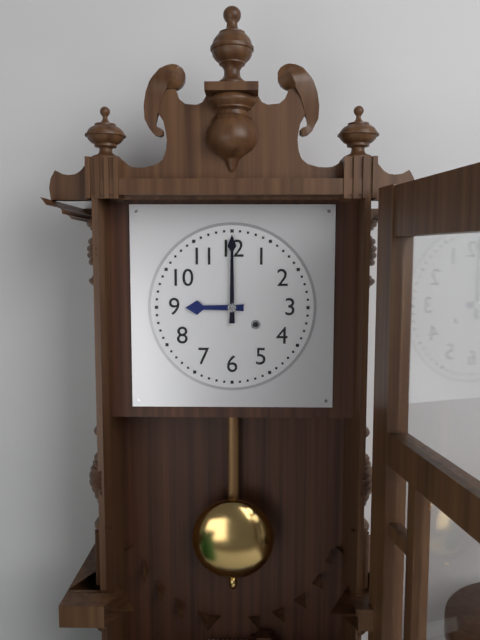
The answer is 9h00
